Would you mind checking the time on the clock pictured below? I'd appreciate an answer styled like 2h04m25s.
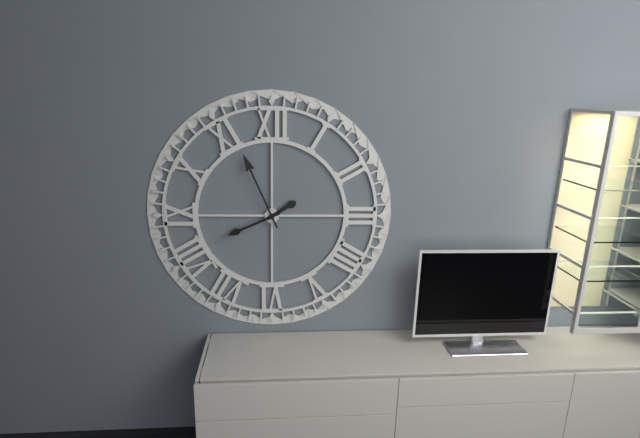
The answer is 1h56m41s
